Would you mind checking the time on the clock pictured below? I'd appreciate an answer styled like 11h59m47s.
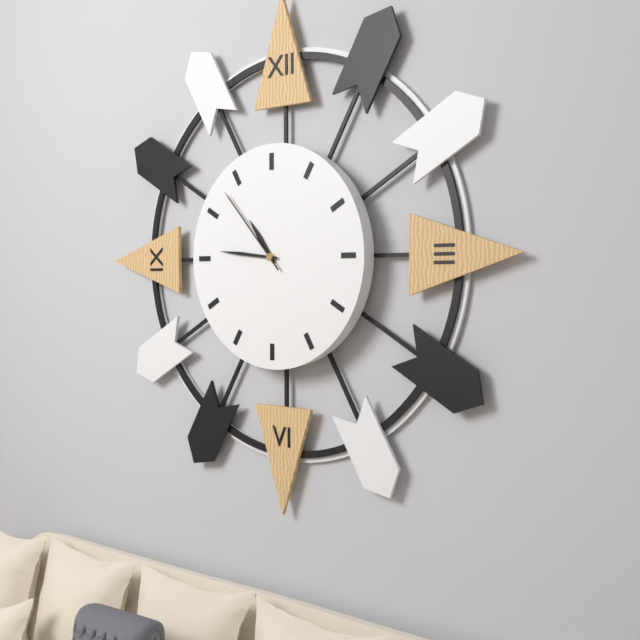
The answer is 10h46m53s
